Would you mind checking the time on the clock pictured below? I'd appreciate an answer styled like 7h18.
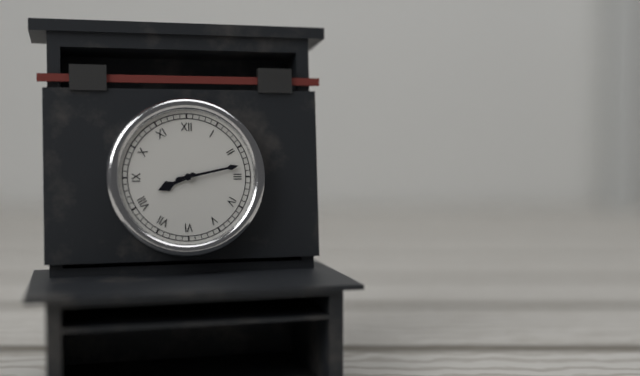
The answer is 8h13
